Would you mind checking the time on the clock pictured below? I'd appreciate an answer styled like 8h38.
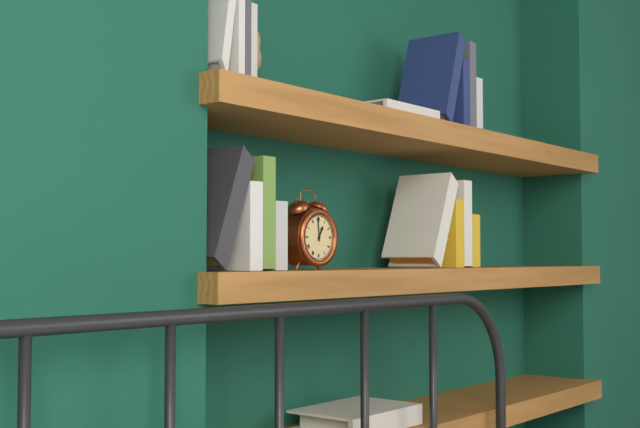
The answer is 12h59
